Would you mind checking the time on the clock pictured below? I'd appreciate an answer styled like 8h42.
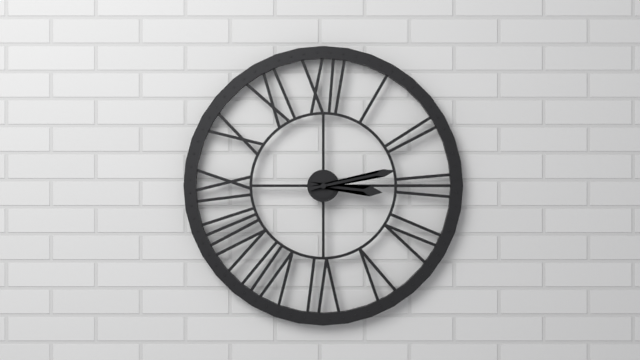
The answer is 3h13
